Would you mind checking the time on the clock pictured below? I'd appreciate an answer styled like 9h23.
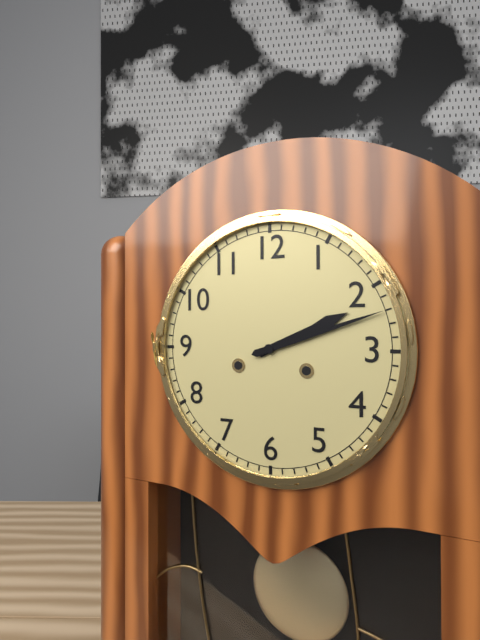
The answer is 2h12
